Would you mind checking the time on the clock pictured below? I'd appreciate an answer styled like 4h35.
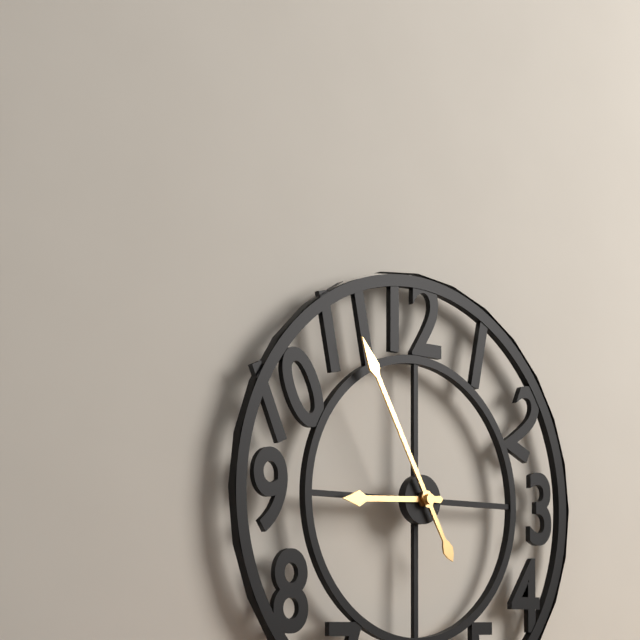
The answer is 8h55
